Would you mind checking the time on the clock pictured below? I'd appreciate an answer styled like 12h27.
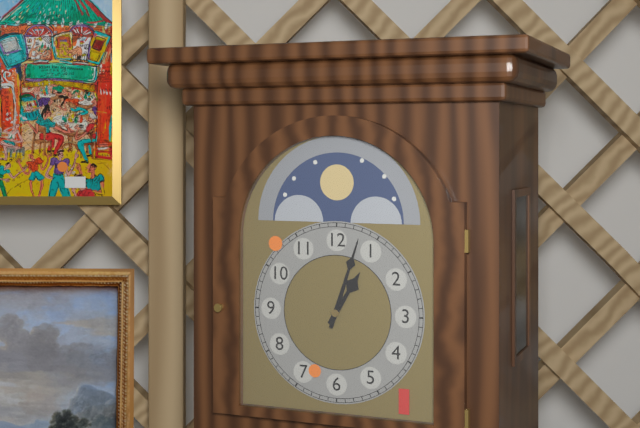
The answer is 1h03
